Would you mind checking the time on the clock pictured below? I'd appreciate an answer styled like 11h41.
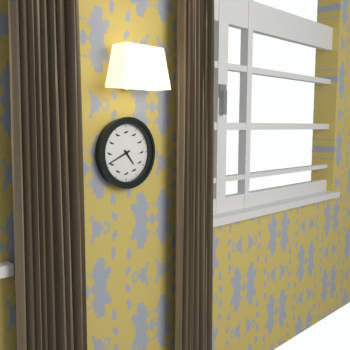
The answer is 4h41
